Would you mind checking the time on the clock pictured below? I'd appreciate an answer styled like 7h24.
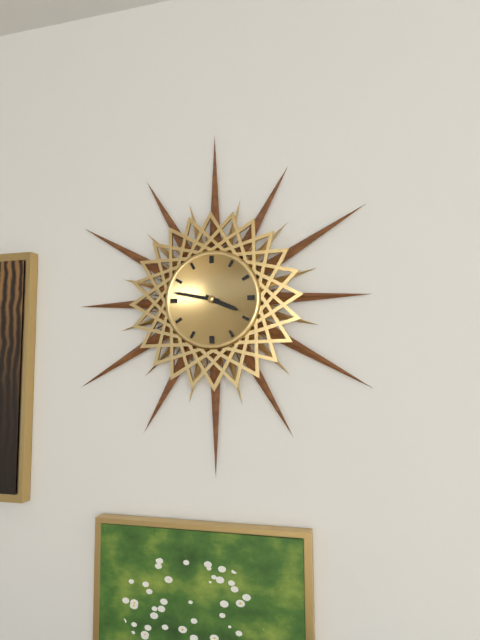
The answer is 3h47
